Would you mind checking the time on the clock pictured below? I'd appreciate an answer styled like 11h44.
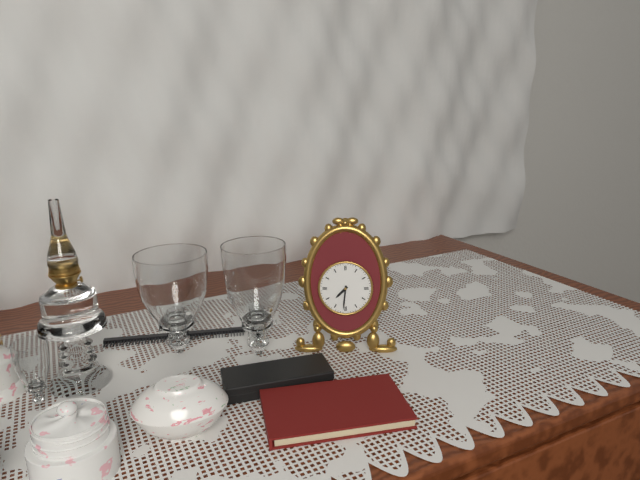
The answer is 7h31
